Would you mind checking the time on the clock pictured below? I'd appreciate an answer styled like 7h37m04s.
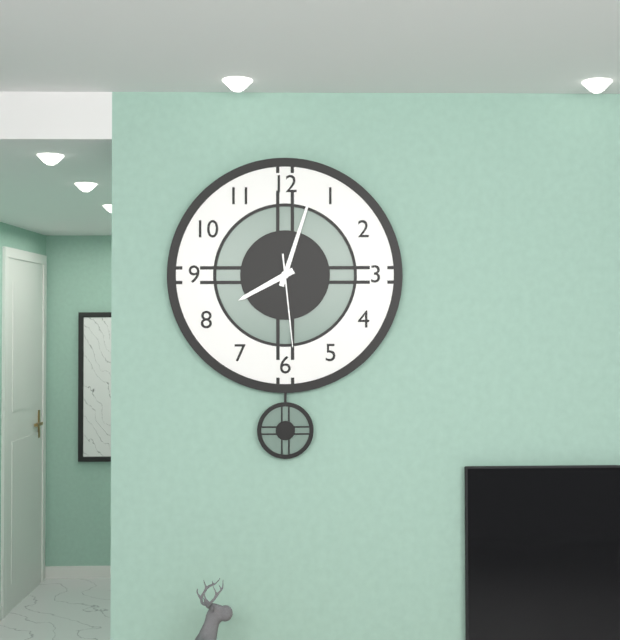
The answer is 8h03m29s
